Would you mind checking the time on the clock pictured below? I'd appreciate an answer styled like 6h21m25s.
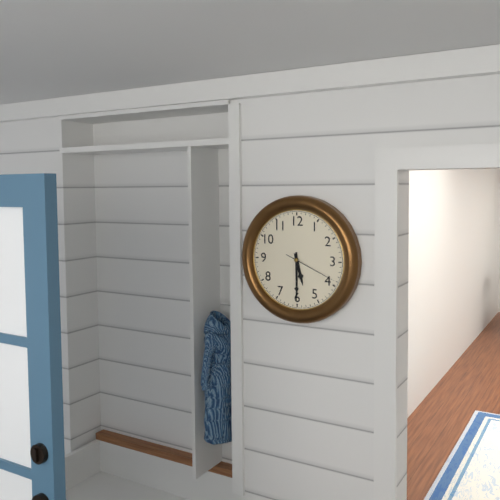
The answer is 5h30m19s
